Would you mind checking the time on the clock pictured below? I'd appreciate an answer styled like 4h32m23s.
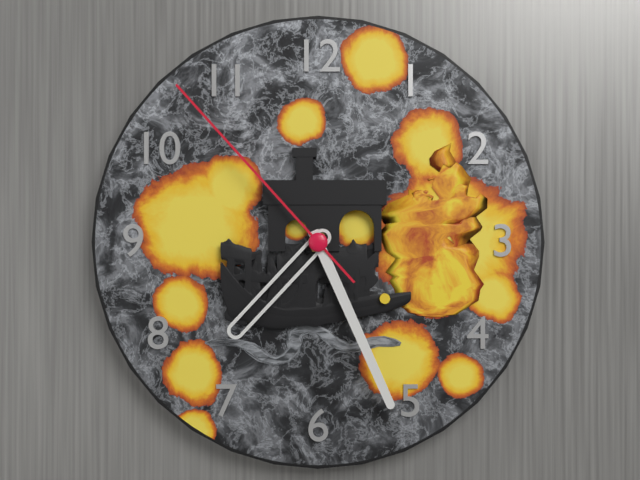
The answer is 7h26m53s
